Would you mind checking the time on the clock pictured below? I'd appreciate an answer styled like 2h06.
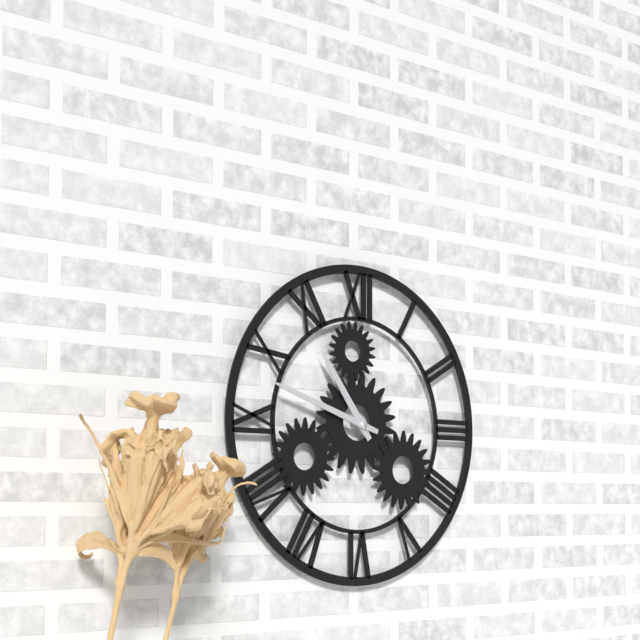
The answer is 10h48
